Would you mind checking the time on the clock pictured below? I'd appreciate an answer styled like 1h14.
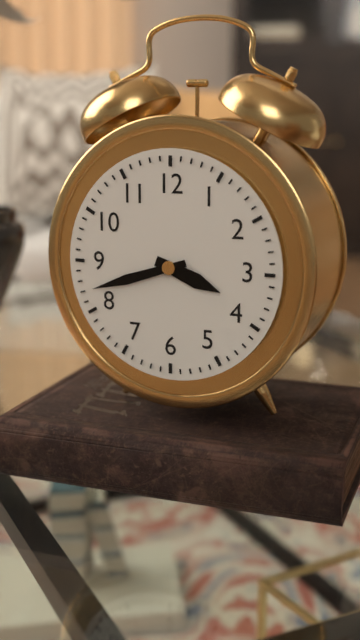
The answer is 3h42
